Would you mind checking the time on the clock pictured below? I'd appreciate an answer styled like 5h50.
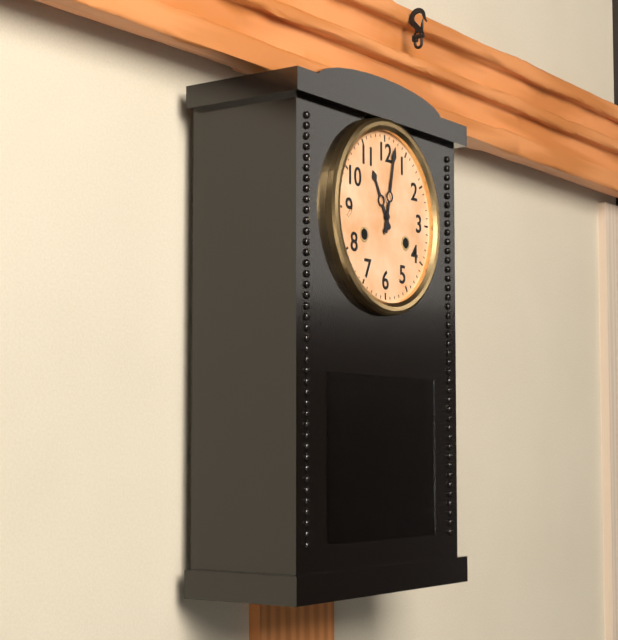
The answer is 11h02
